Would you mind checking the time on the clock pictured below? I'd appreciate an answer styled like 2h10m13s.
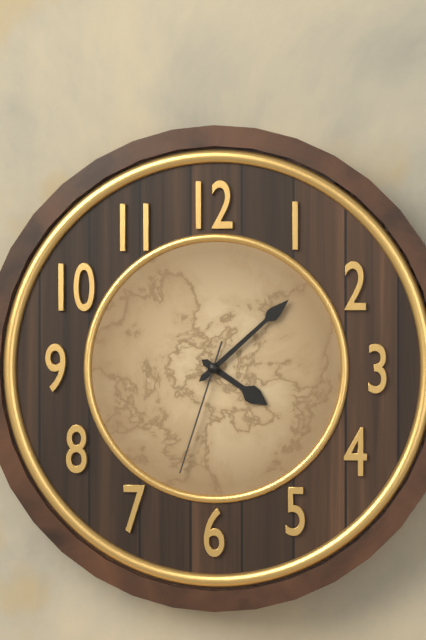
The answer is 4h08m33s
